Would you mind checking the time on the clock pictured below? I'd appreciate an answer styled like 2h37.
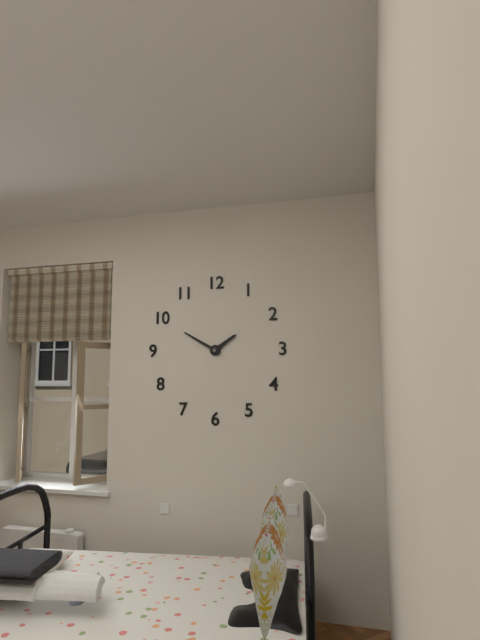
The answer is 1h50
